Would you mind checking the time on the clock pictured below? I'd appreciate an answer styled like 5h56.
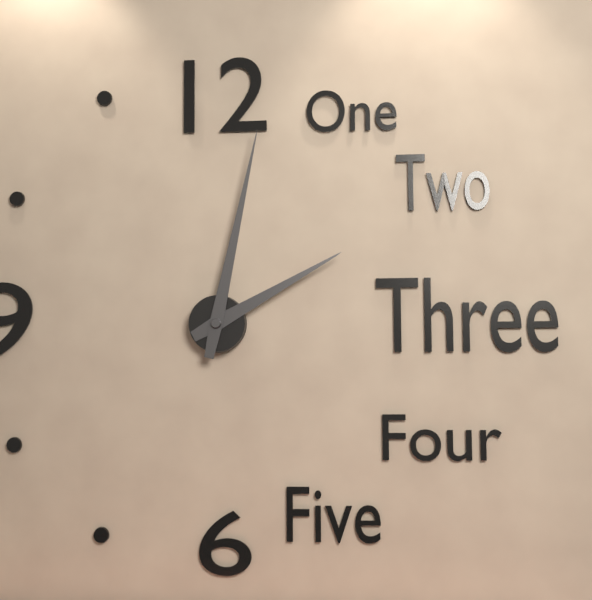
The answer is 2h02
